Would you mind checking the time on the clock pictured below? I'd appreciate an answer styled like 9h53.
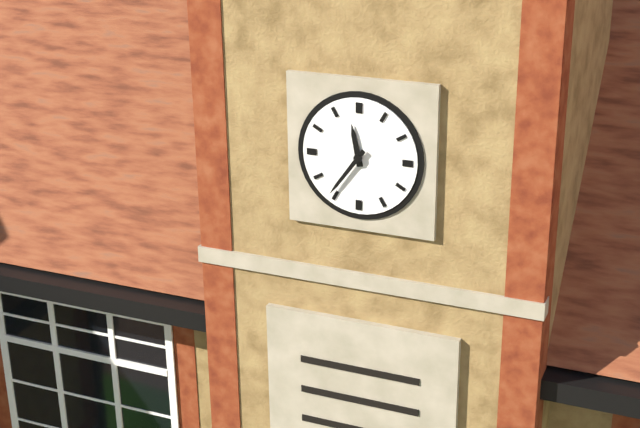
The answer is 11h36
